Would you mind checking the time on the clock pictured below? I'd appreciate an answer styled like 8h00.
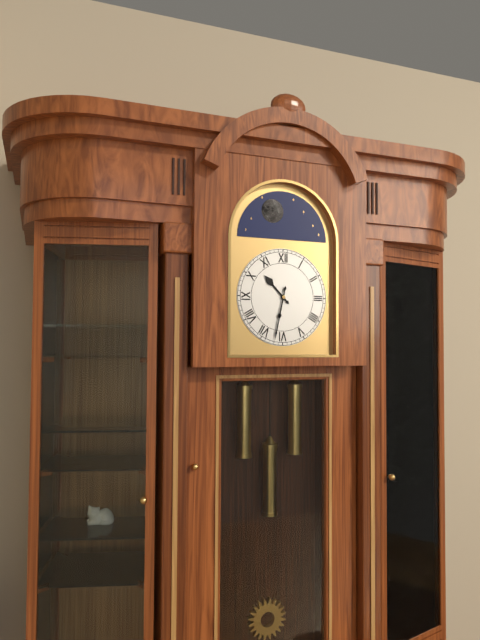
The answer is 10h32
